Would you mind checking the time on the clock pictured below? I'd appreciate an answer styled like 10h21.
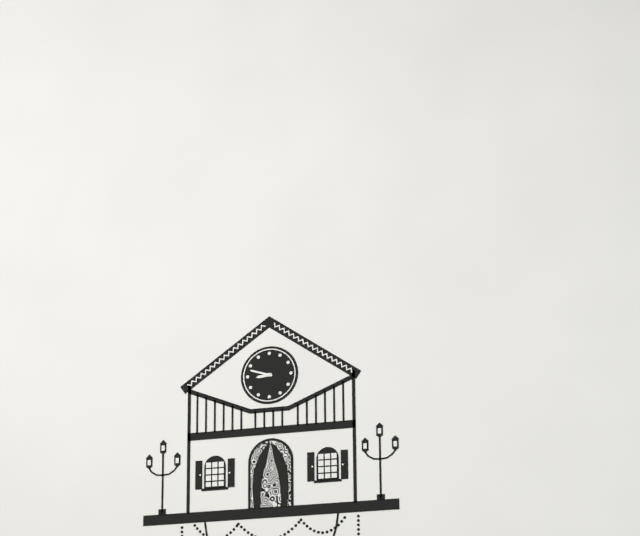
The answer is 8h48
